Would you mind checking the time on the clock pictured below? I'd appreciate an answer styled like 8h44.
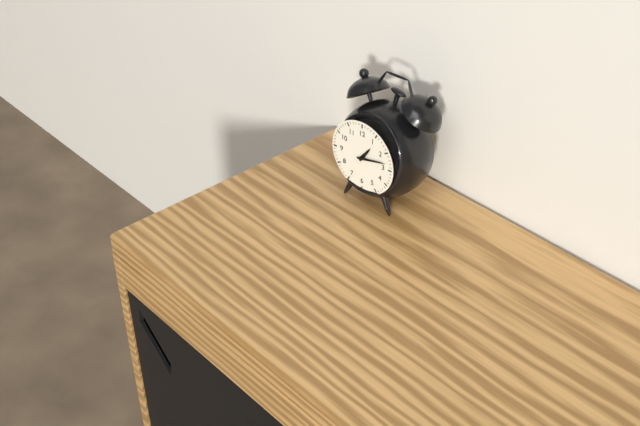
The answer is 1h13
